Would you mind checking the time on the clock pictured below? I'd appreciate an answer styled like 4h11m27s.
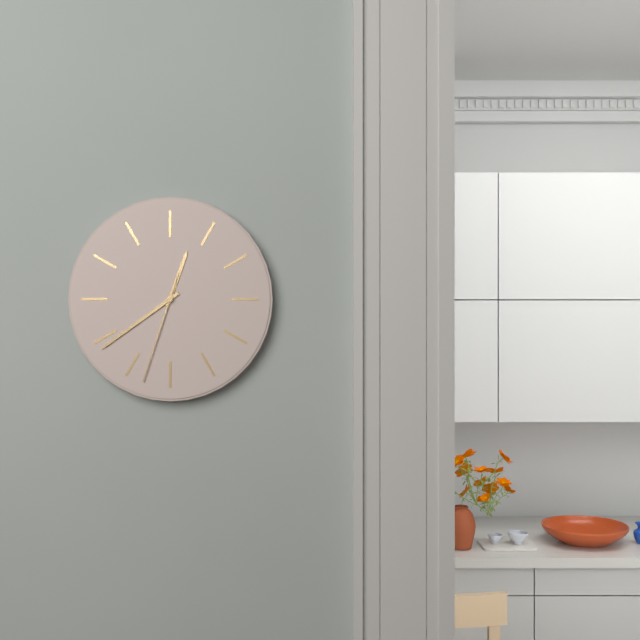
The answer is 12h39m33s
